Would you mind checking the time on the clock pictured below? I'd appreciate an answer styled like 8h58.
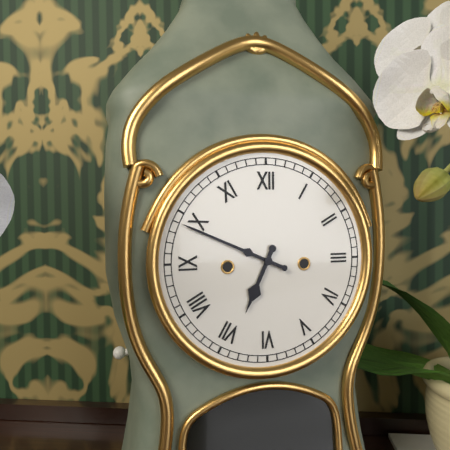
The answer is 6h49
